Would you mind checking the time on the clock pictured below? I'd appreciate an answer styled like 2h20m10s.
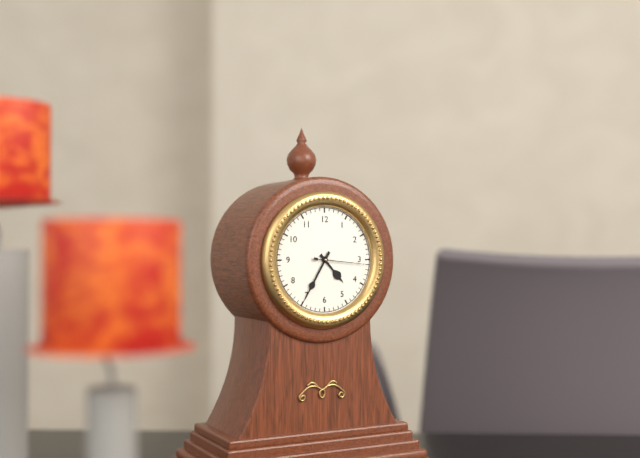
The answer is 4h35m16s
